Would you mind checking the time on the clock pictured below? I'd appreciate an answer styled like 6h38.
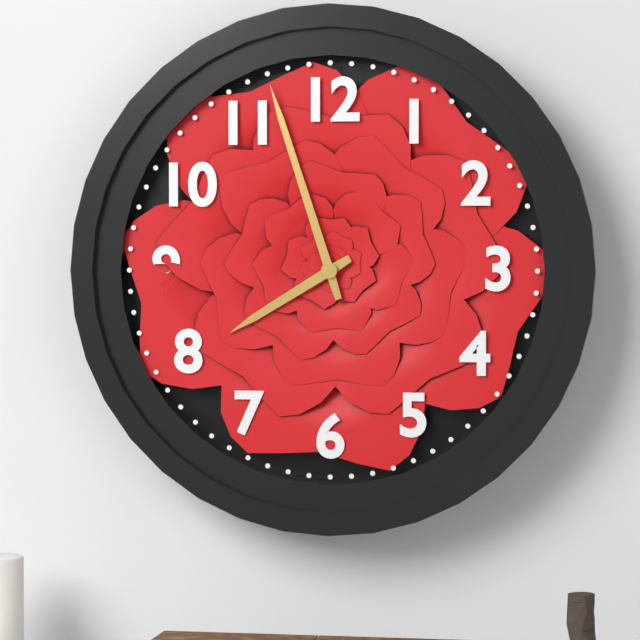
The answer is 7h57
